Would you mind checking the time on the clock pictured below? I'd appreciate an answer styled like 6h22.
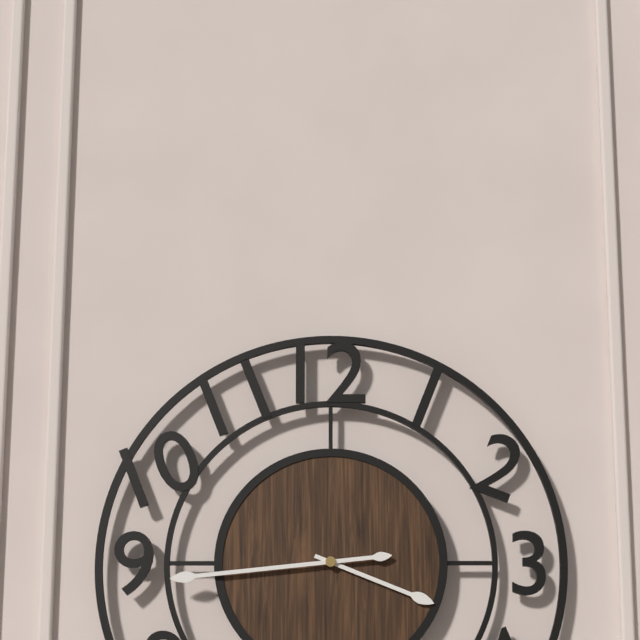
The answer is 3h44
